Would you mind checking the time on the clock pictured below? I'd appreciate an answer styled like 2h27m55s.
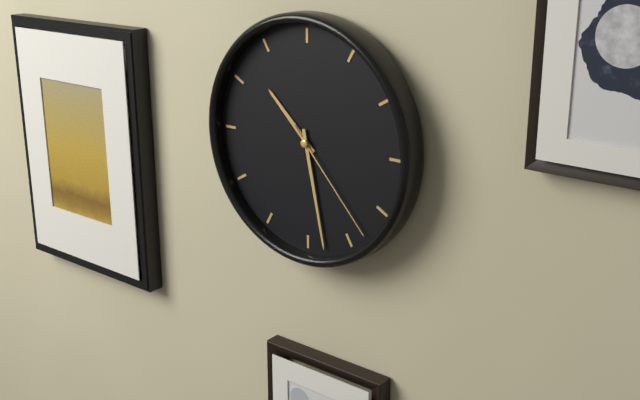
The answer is 10h28m23s
